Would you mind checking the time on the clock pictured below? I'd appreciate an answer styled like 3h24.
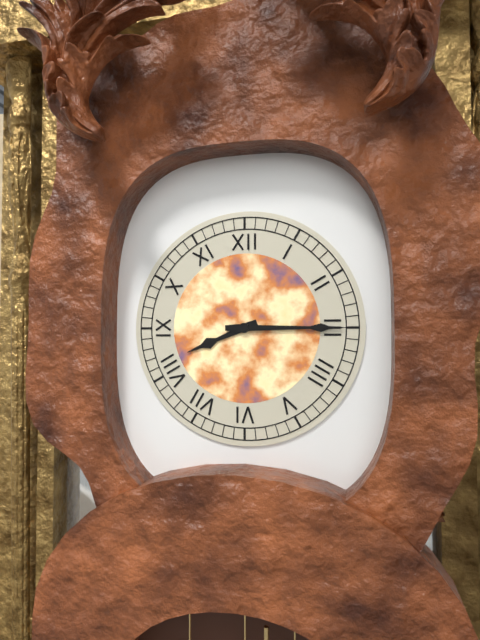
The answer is 8h15
